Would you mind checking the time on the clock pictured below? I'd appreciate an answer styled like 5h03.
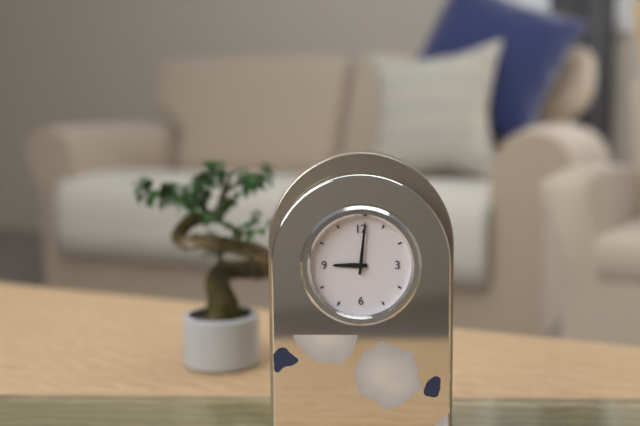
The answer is 9h01
